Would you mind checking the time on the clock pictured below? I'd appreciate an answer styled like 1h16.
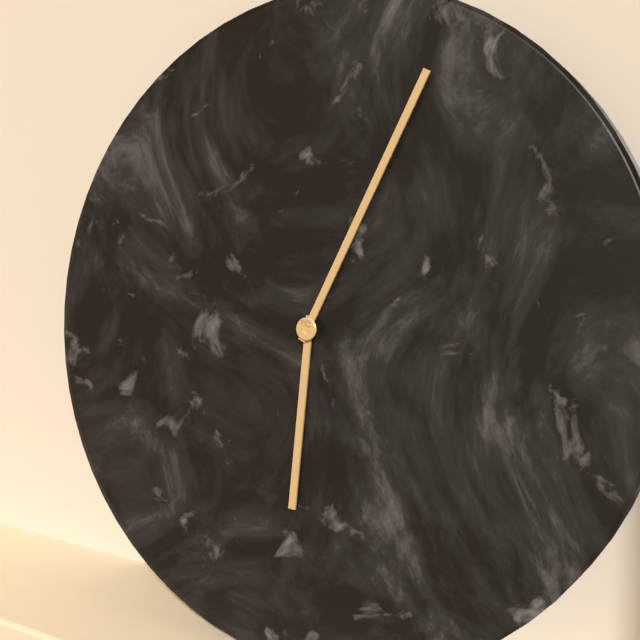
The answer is 6h04
